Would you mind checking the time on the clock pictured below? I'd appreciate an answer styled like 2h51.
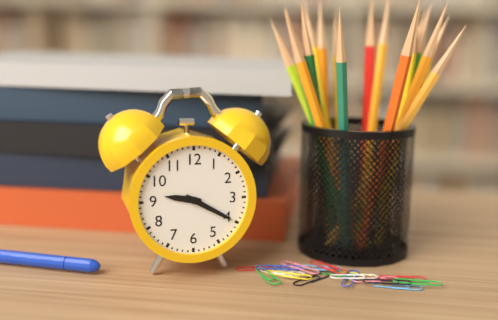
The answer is 9h20
